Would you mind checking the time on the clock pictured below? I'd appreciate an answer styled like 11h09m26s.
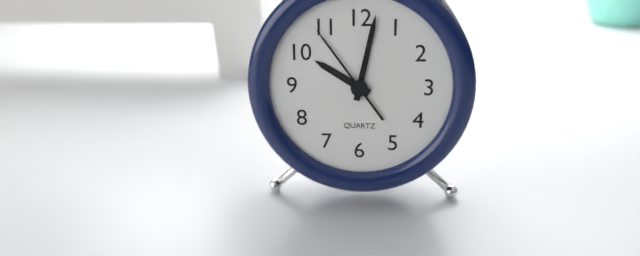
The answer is 10h02m54s
